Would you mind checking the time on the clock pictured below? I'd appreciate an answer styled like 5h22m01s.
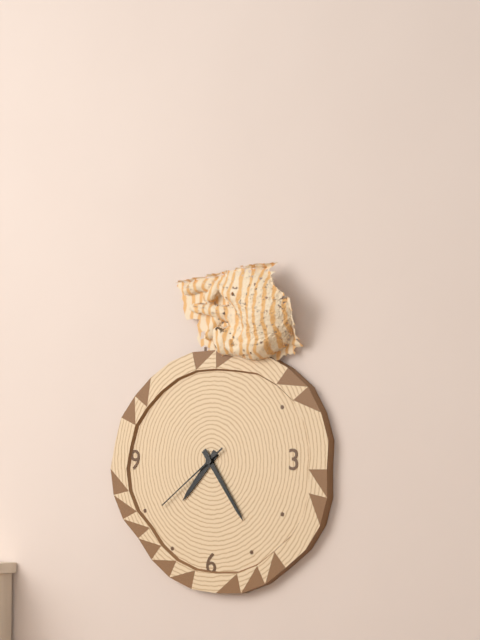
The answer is 7h24m39s
